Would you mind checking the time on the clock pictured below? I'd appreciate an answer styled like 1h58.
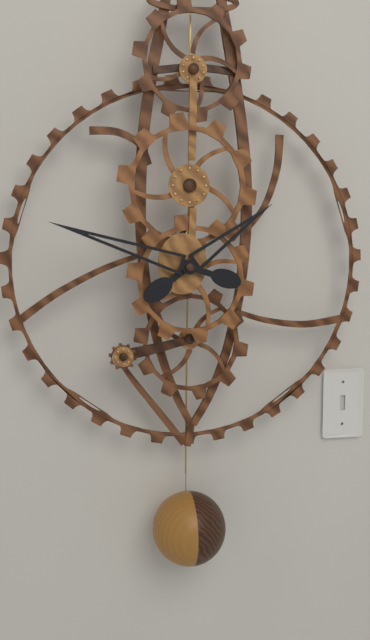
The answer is 1h48
